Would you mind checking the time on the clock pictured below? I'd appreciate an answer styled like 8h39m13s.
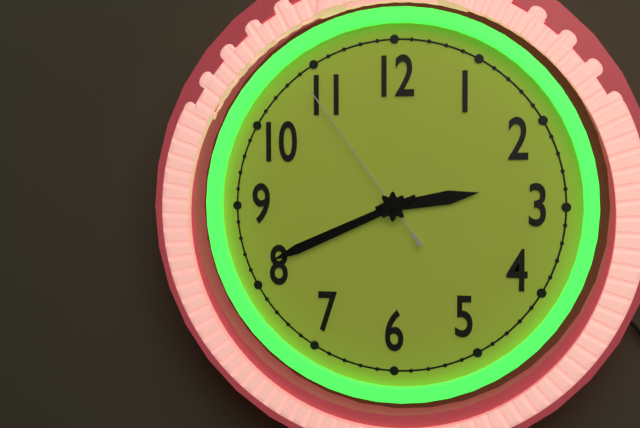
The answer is 2h41m54s
